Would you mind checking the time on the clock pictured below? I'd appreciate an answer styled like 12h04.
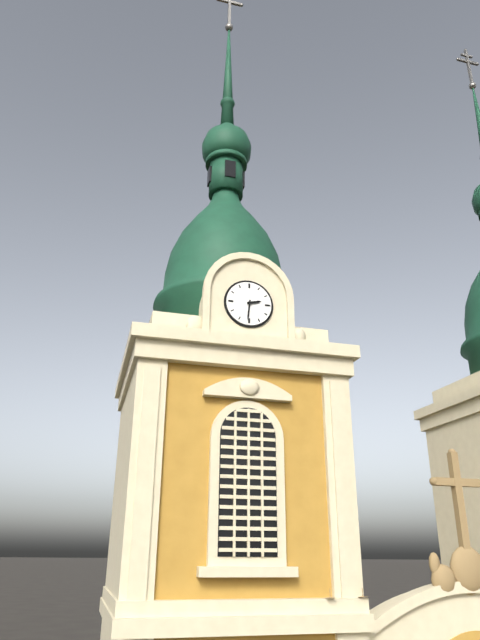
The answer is 2h31
